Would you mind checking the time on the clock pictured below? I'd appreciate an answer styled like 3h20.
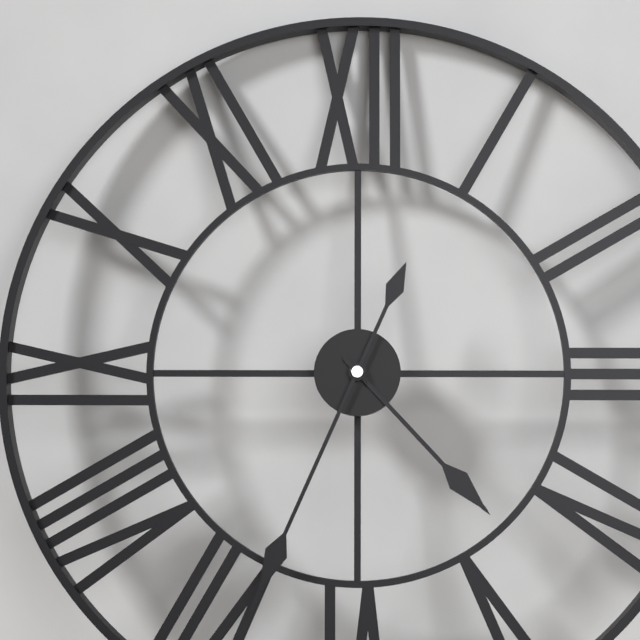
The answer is 4h34
